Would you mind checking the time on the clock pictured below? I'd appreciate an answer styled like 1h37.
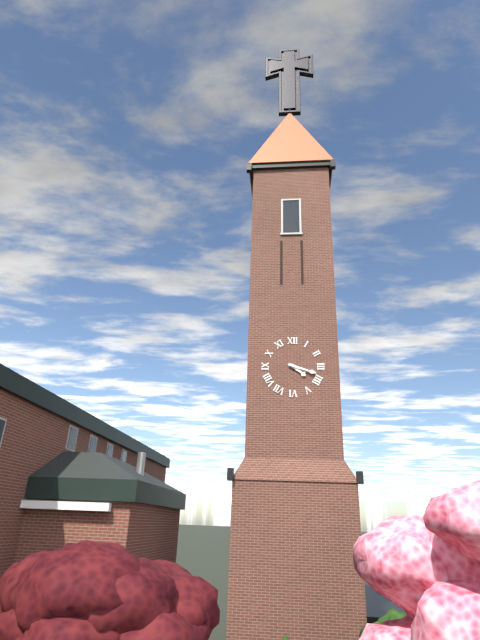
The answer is 4h18
